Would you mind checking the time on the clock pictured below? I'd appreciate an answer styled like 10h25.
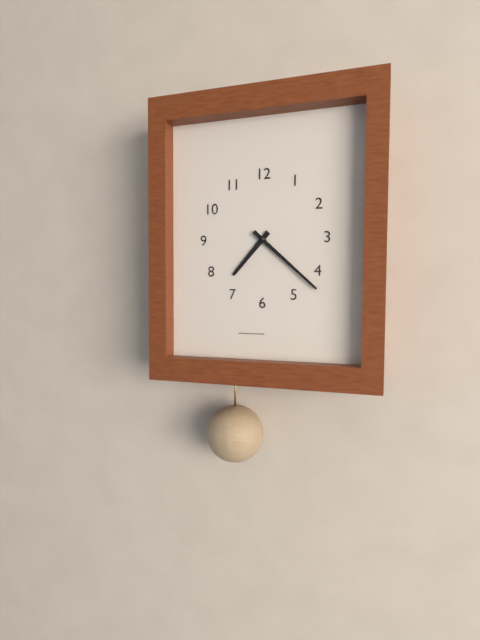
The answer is 7h22
